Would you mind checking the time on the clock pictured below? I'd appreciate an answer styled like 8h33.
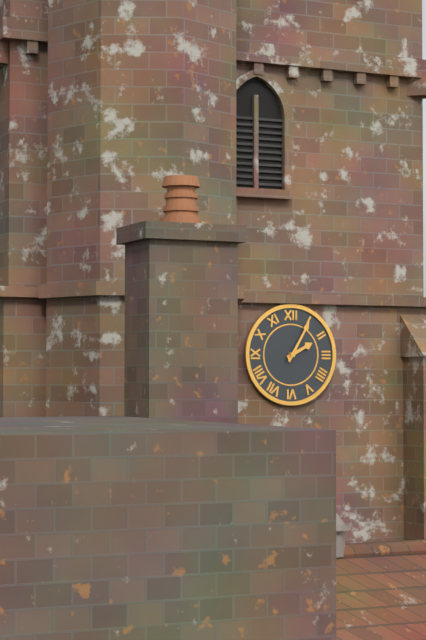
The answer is 2h05
